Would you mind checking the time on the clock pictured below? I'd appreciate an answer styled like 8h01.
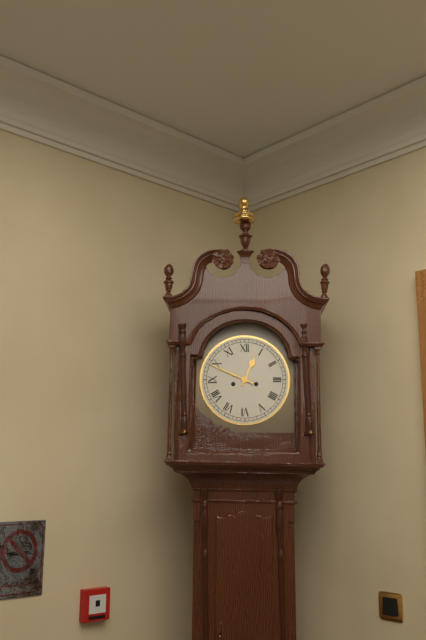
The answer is 12h49
